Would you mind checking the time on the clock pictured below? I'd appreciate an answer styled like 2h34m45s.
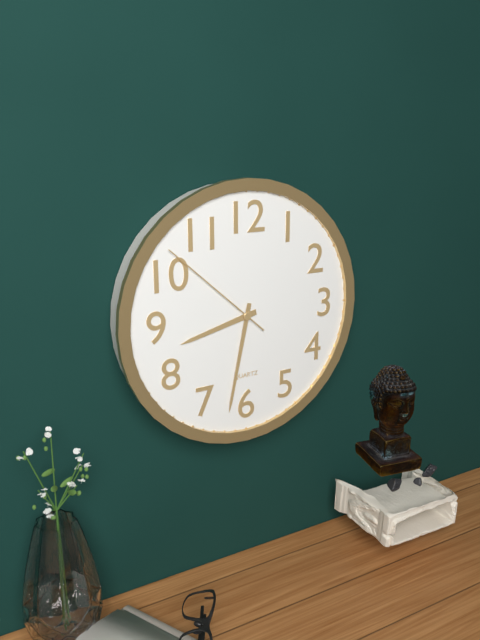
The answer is 8h32m52s
